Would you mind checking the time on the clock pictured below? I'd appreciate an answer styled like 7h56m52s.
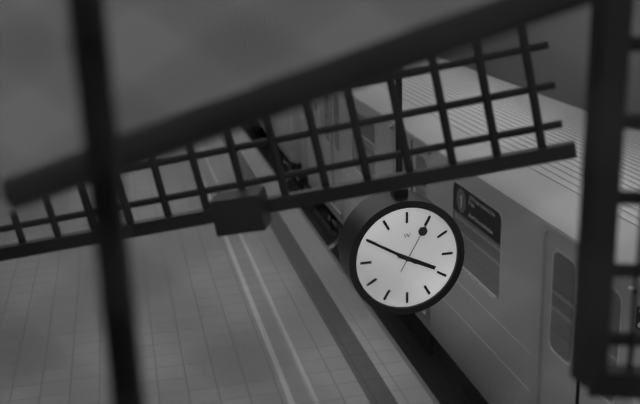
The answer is 3h50m05s
